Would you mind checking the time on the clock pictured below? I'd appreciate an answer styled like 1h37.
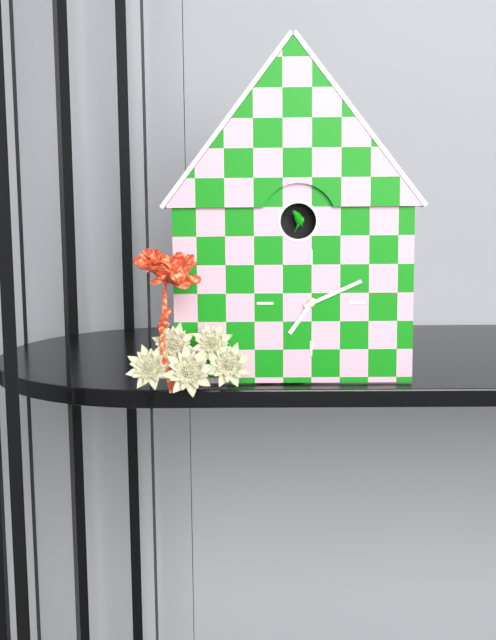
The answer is 7h11
